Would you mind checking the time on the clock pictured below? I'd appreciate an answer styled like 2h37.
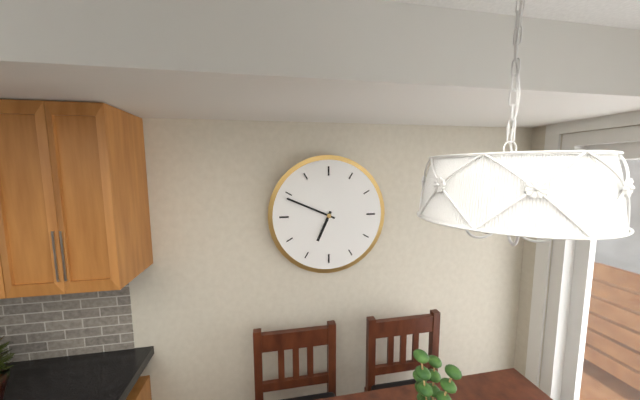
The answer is 6h49
